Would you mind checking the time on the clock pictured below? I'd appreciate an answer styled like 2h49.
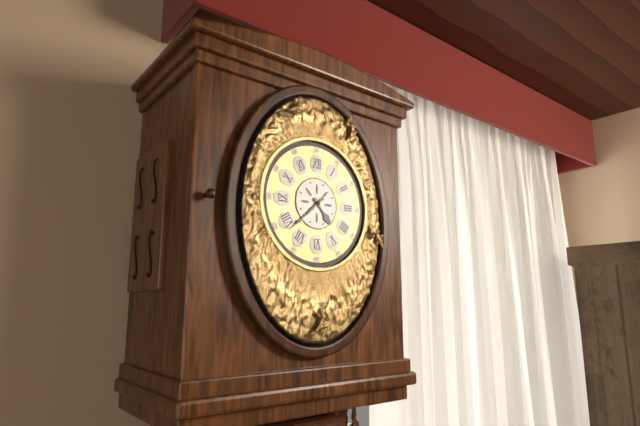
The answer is 4h38
